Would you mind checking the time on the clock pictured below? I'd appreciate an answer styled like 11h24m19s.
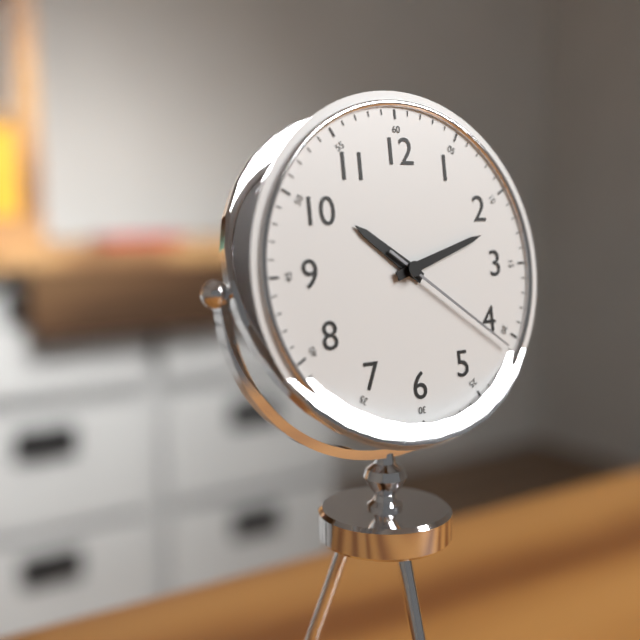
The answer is 10h12m21s
